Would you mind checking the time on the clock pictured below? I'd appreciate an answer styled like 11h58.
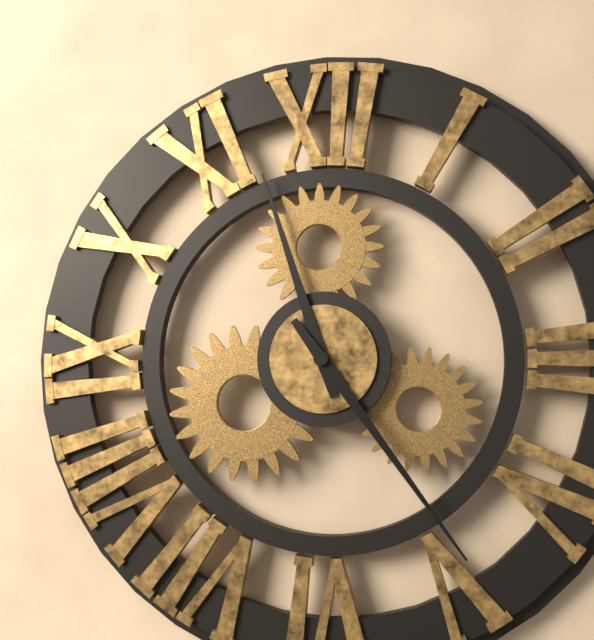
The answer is 11h24
